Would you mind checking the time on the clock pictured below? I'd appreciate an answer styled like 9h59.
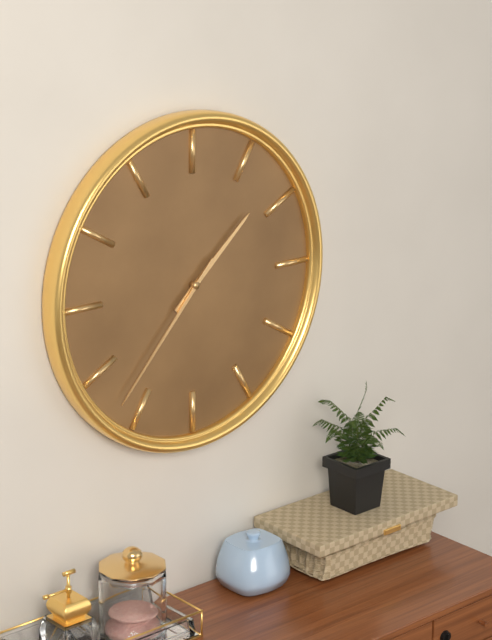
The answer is 1h37
